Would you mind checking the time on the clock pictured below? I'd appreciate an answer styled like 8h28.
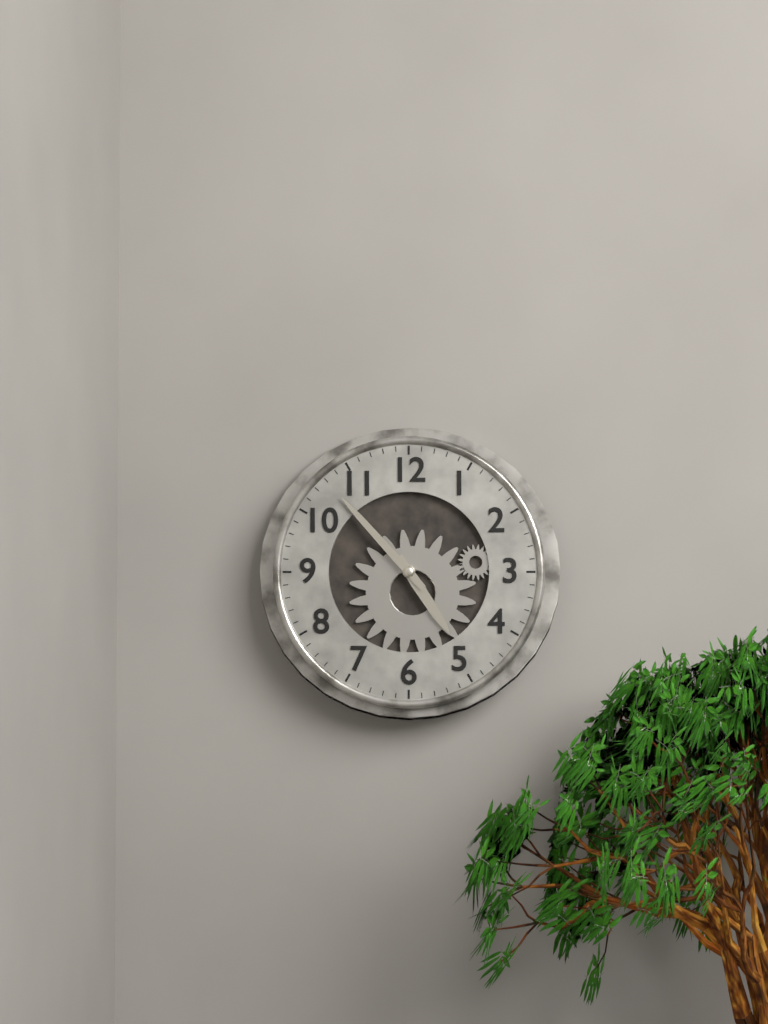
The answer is 4h53
